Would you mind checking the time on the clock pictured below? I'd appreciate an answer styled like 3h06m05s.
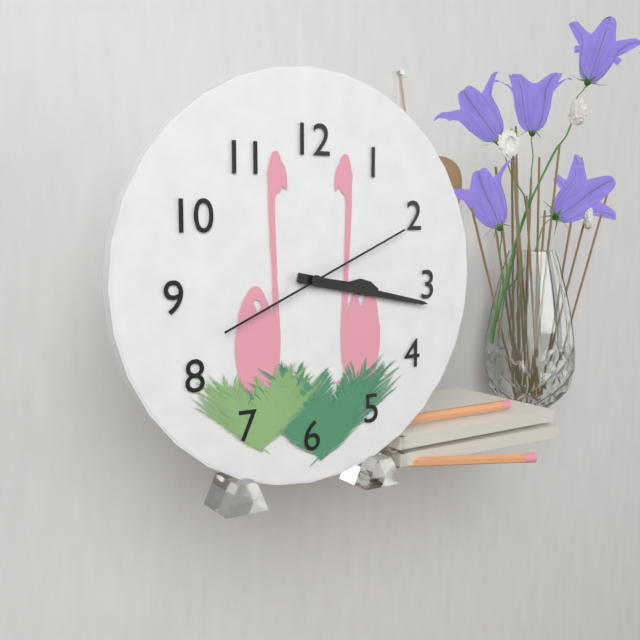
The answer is 3h17m11s
